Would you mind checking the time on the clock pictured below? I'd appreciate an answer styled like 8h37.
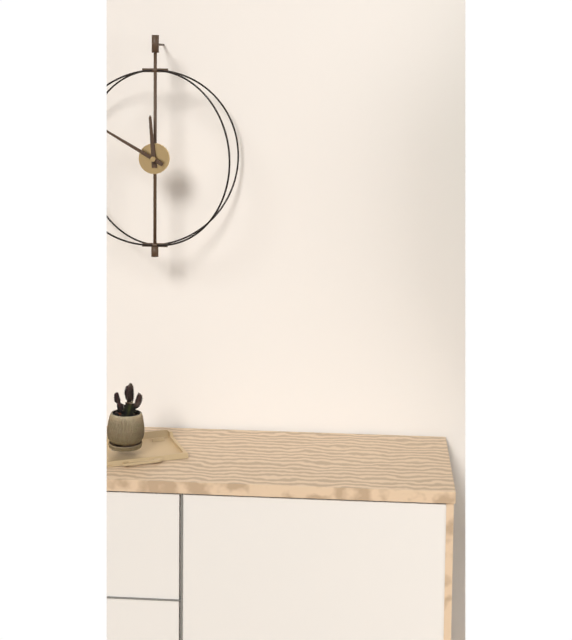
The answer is 11h50
